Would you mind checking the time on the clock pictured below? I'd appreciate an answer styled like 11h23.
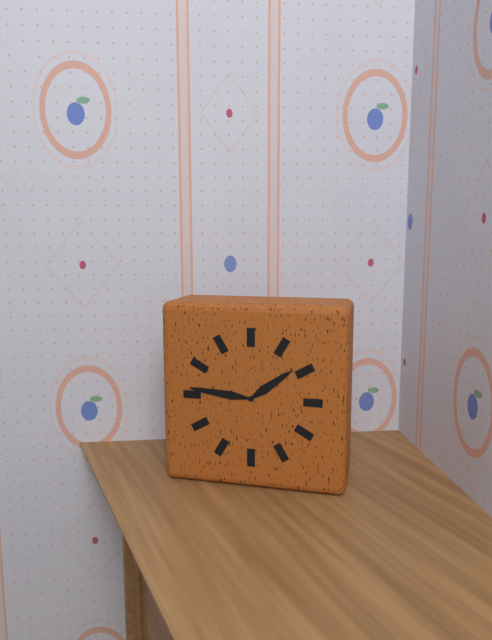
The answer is 1h46
